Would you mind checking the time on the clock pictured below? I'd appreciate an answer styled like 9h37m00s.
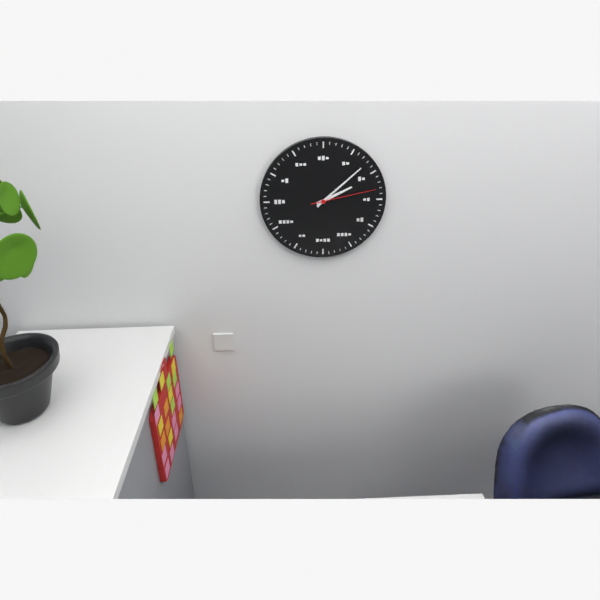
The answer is 2h08m13s
